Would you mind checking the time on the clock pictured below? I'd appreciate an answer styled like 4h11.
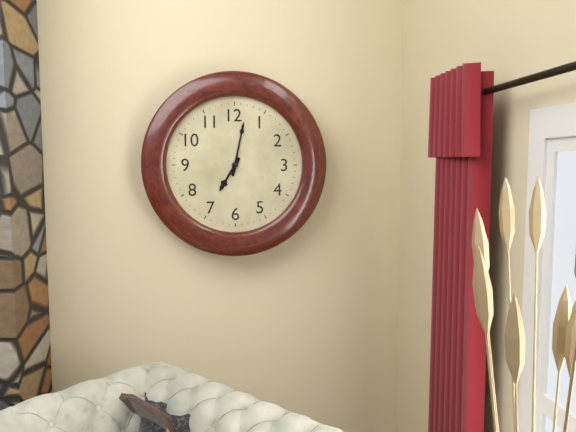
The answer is 7h02
